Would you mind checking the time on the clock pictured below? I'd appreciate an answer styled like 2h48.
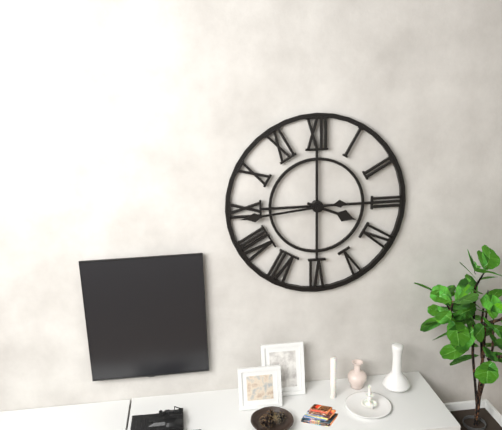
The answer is 3h44
